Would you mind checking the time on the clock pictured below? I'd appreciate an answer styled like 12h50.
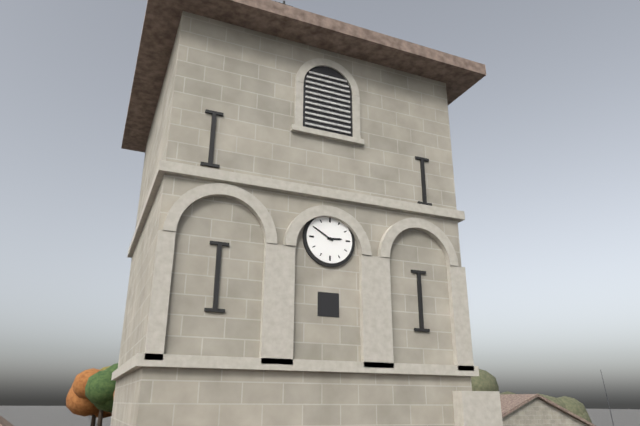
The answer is 2h50
